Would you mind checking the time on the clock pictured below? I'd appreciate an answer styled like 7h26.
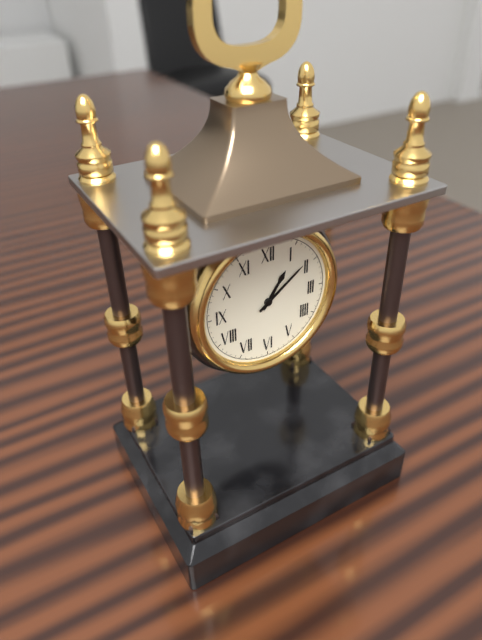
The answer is 1h09
